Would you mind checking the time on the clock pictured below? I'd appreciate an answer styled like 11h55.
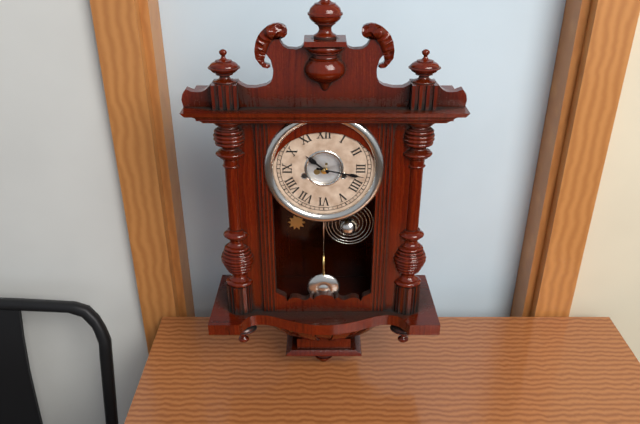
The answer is 10h17
